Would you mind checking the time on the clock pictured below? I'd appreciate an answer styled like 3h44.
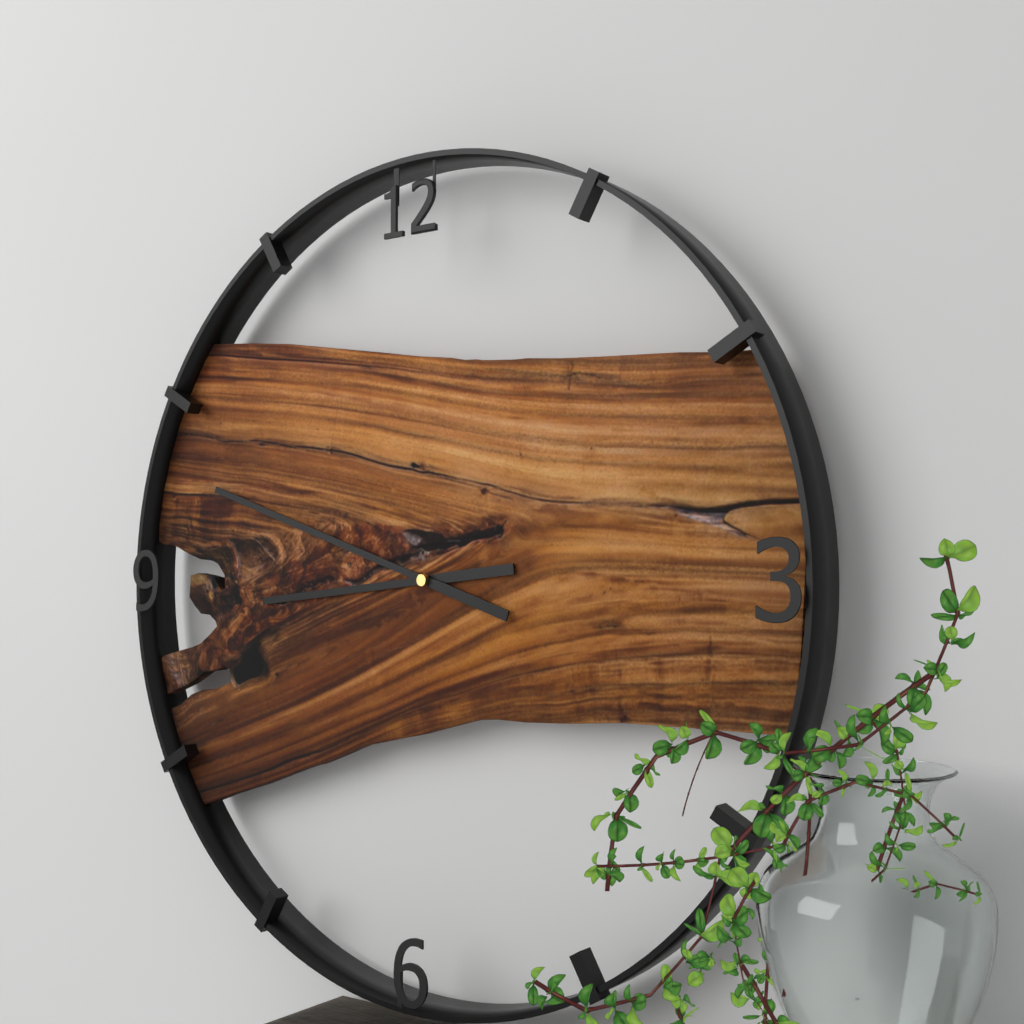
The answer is 8h48
